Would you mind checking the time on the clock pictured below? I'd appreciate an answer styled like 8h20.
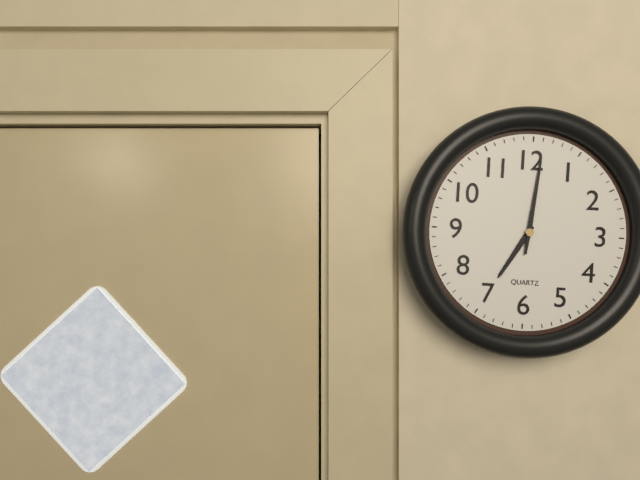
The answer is 7h01
